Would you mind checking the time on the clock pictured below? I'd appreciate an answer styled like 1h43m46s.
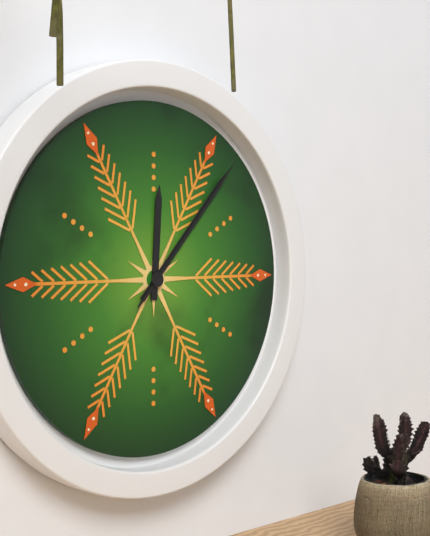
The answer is 12h07m07s
